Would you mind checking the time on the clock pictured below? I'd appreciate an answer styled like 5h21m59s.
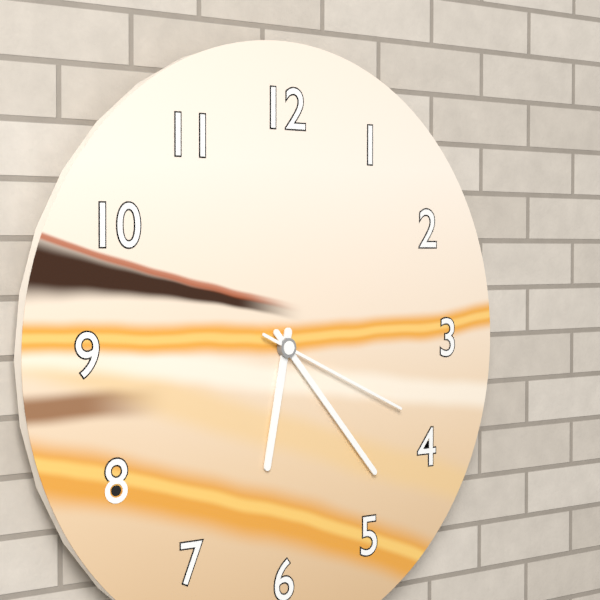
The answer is 6h23m19s
